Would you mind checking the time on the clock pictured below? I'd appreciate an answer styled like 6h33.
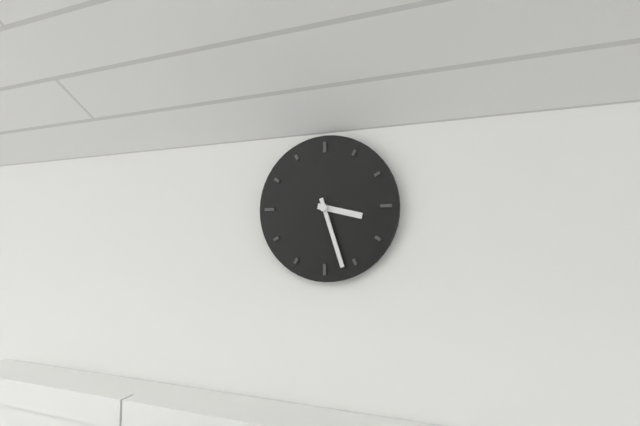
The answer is 3h27
